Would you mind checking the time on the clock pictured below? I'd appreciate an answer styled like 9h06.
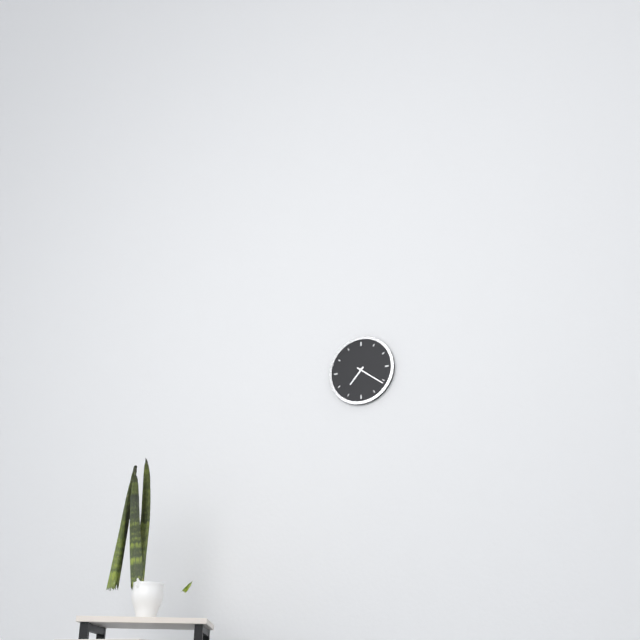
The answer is 7h21
